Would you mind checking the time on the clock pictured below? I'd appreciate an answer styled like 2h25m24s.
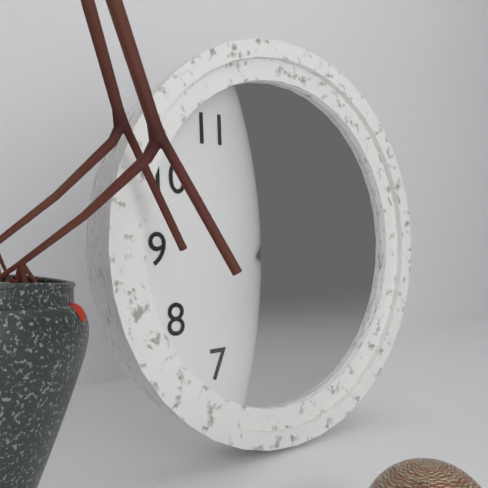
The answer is 1h06m59s
